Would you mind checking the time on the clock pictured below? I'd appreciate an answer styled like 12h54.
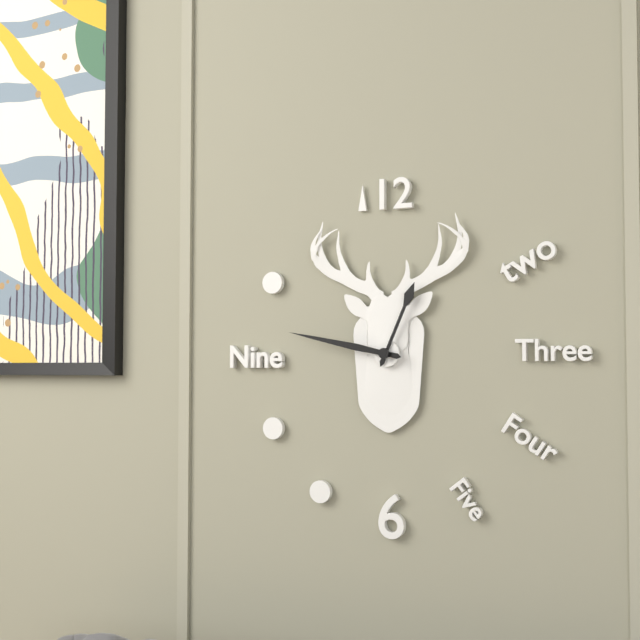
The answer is 12h47
